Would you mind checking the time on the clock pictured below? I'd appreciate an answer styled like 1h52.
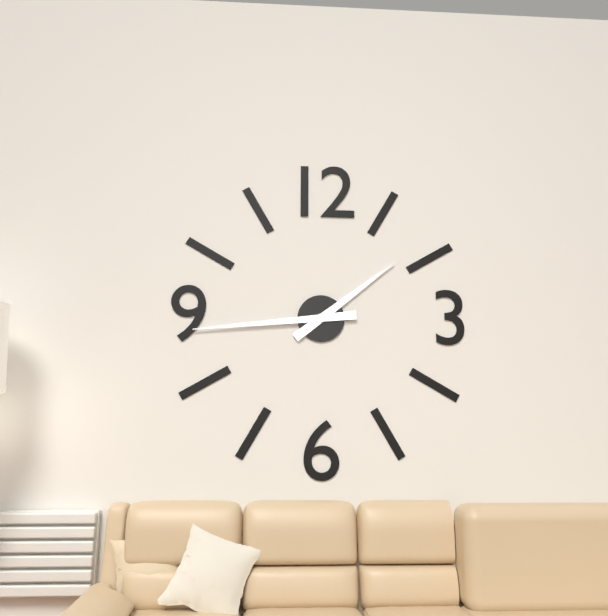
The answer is 1h44
